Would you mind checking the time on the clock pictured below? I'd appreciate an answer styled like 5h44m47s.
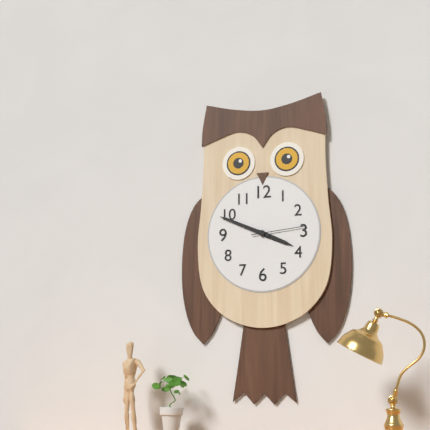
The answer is 3h49m14s
